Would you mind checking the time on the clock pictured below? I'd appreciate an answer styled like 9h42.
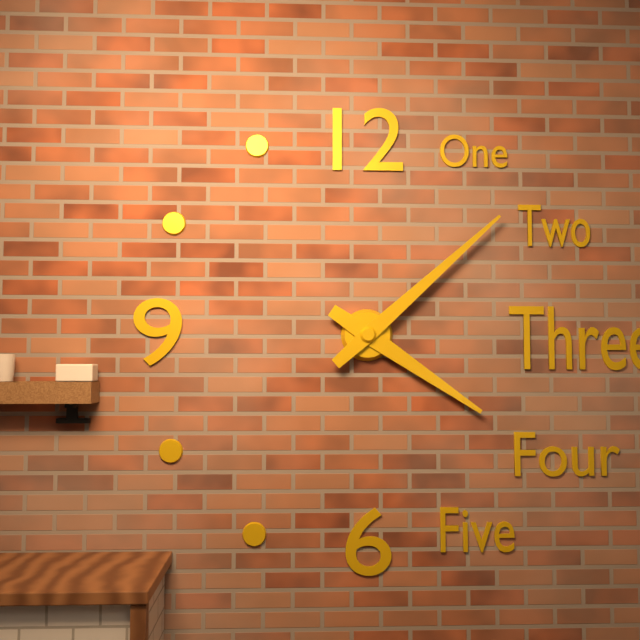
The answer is 4h08
